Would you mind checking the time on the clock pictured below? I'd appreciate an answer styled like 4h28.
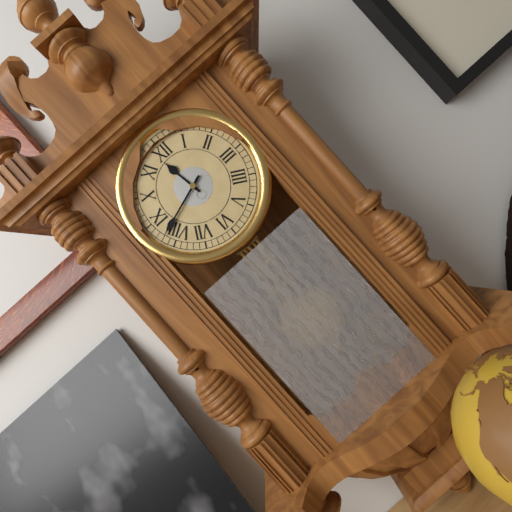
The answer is 11h42
